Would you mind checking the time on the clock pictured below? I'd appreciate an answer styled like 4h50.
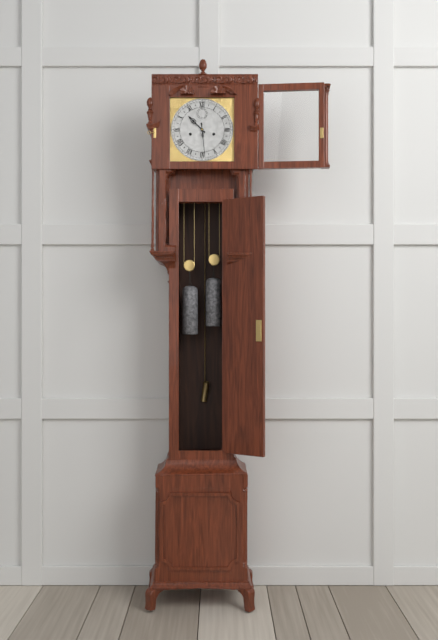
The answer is 10h29
